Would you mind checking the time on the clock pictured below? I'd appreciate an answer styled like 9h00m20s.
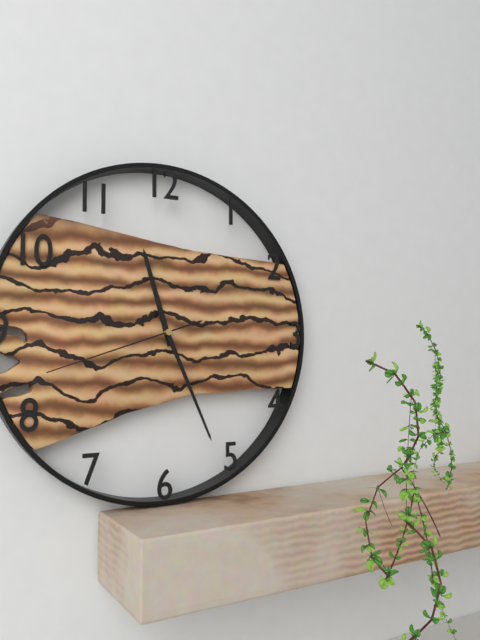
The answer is 11h26m42s
